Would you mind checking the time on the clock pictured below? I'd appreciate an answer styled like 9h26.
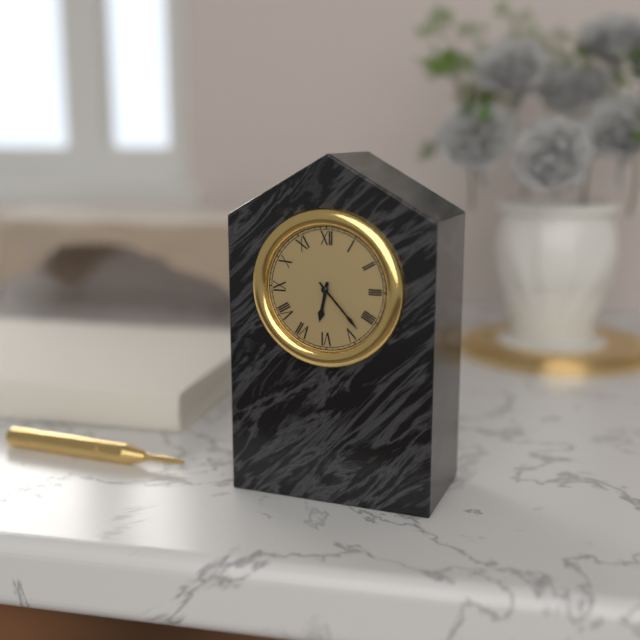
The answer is 6h23
